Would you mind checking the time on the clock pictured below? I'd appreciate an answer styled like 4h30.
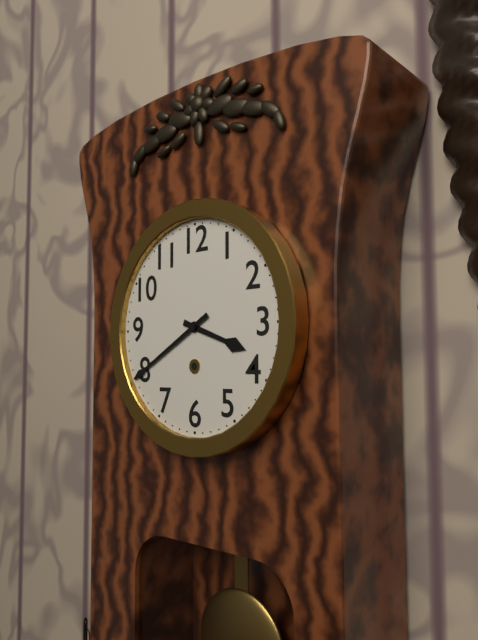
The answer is 3h40
